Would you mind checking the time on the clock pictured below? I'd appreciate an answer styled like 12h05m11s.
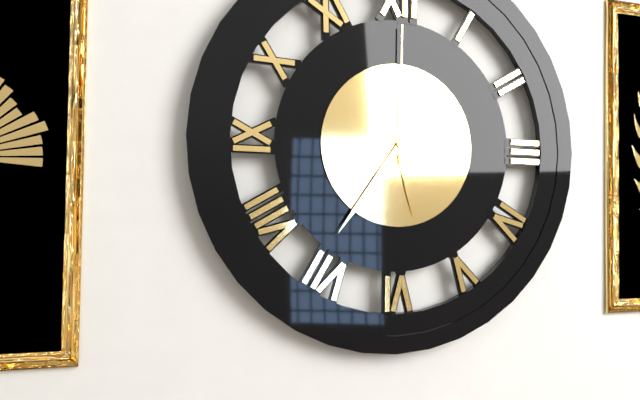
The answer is 5h36m00s
